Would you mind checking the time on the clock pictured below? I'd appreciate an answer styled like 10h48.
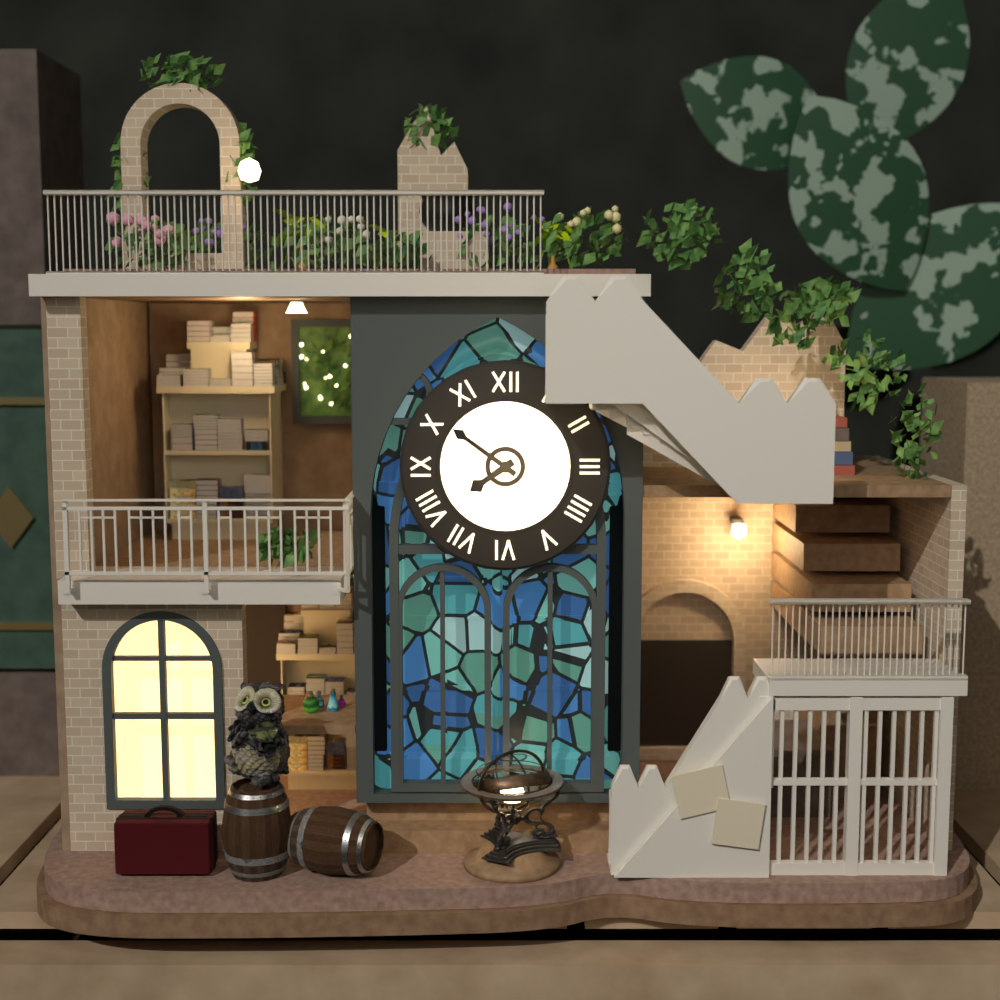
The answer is 7h51
